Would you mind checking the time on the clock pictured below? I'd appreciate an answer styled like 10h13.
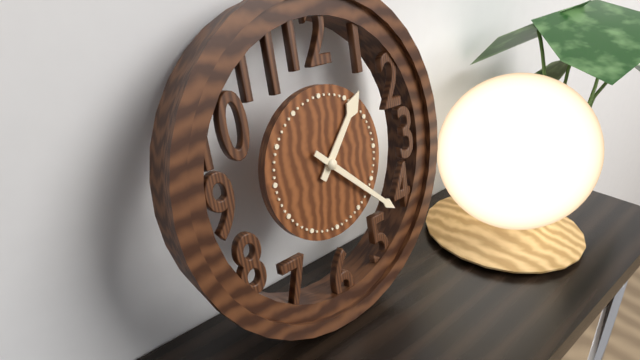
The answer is 1h22
